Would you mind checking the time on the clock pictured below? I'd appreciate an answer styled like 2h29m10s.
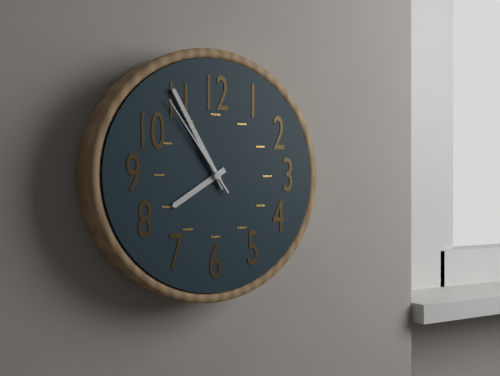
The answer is 7h55m54s
